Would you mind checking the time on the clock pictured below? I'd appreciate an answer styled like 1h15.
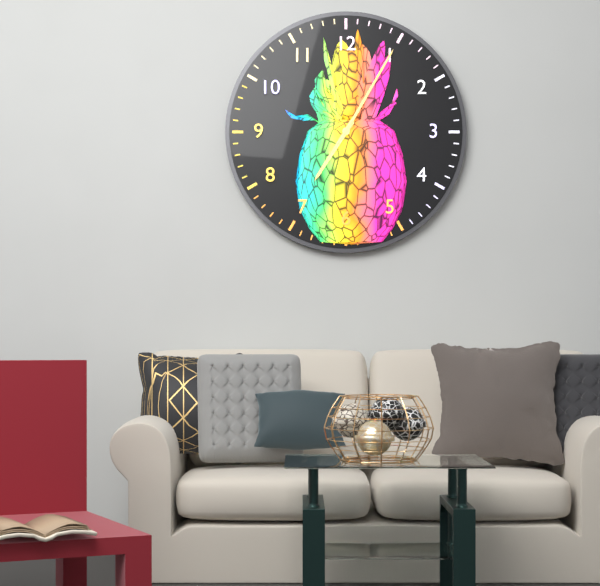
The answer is 7h05
